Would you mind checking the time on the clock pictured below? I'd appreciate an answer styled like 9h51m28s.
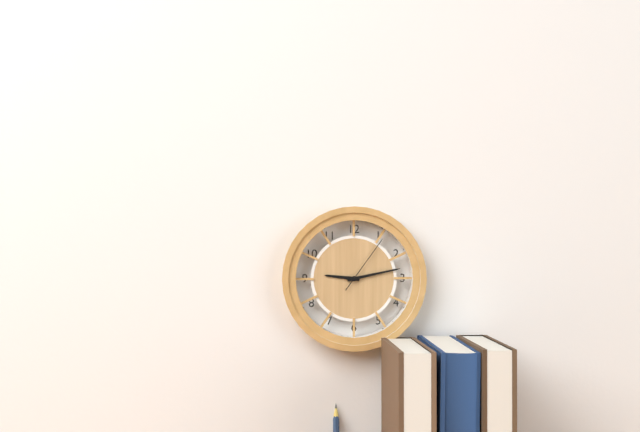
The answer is 9h13m06s
